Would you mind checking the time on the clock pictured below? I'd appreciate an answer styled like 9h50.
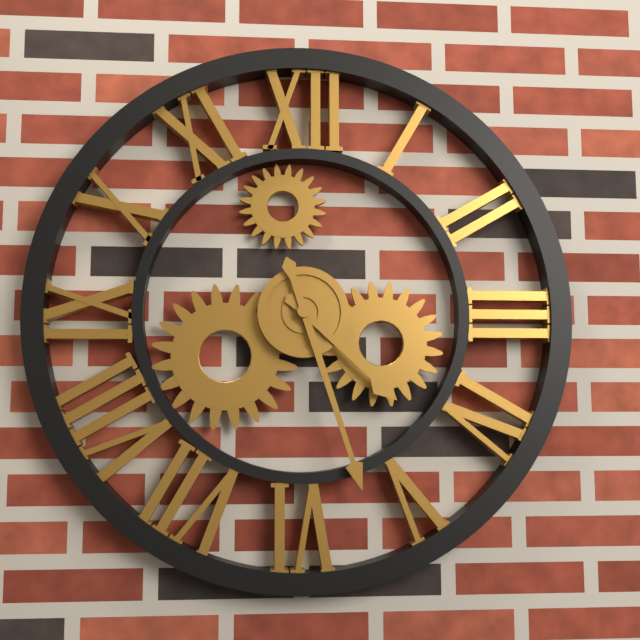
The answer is 4h27
